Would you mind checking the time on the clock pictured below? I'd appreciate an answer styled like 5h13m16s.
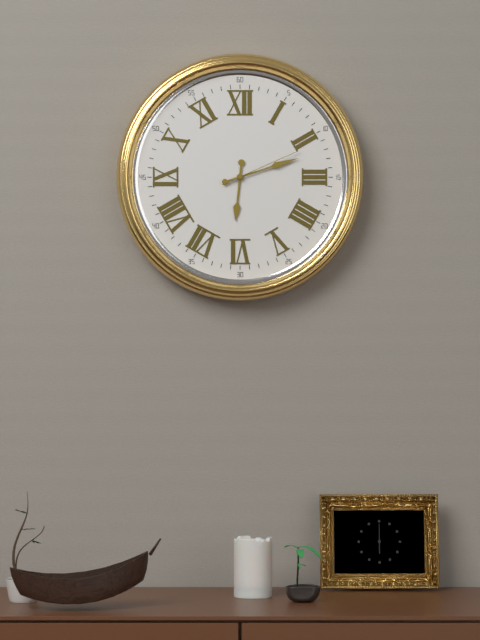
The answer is 6h12m11s
